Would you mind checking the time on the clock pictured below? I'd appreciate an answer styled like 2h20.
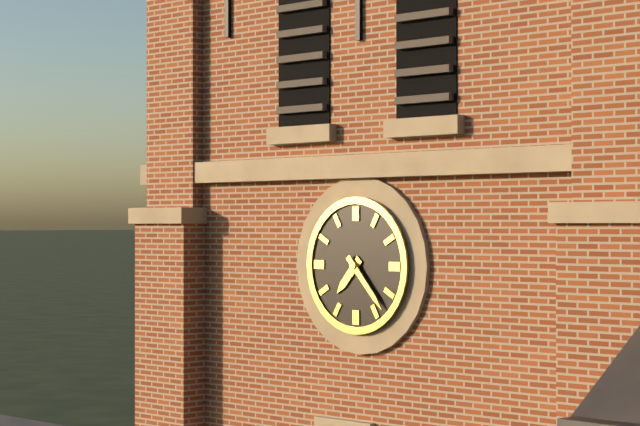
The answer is 7h23
